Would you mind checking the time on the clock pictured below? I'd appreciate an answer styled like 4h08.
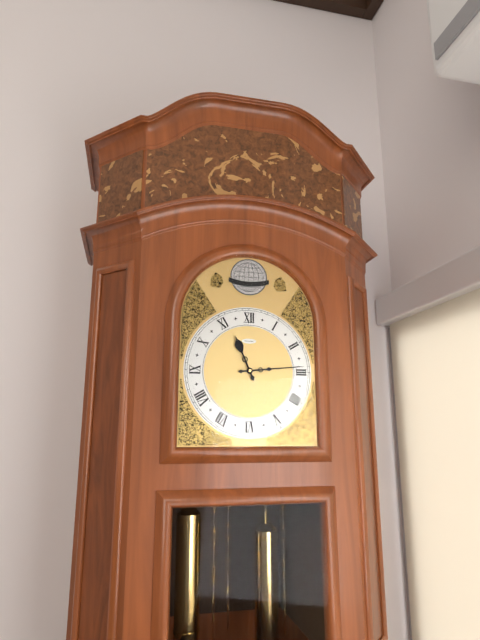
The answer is 11h14
